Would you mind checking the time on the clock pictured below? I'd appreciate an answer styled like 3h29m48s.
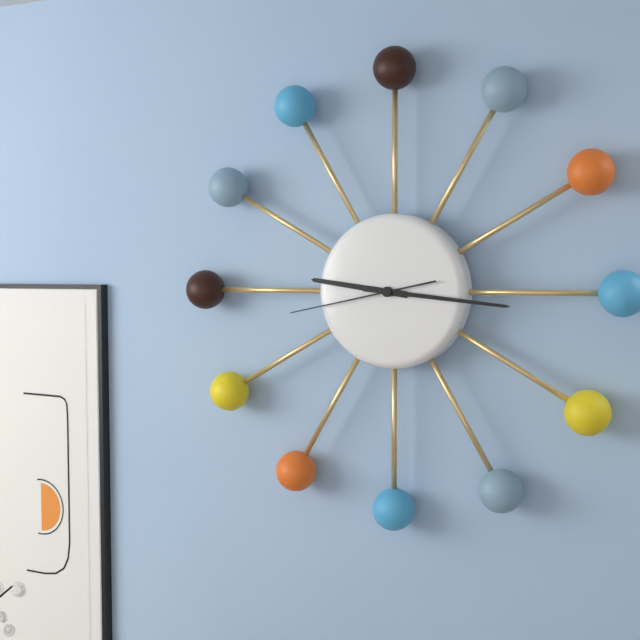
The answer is 9h16m43s
